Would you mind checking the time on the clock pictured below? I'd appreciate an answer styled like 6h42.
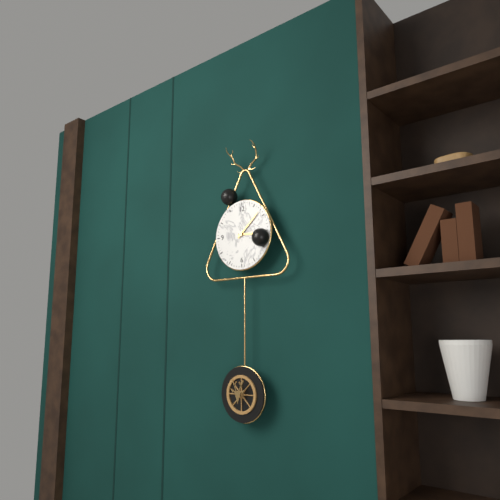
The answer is 3h08
